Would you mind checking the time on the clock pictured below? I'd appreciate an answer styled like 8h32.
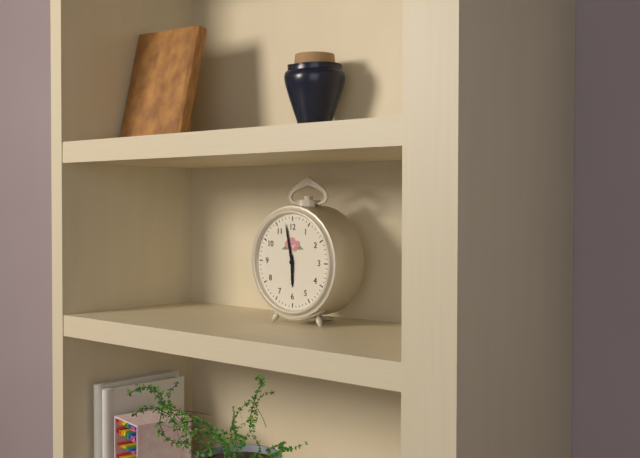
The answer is 5h58
